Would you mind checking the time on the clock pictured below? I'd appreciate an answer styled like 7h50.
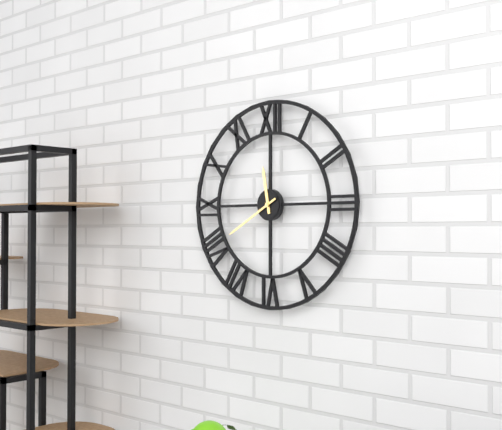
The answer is 11h40
